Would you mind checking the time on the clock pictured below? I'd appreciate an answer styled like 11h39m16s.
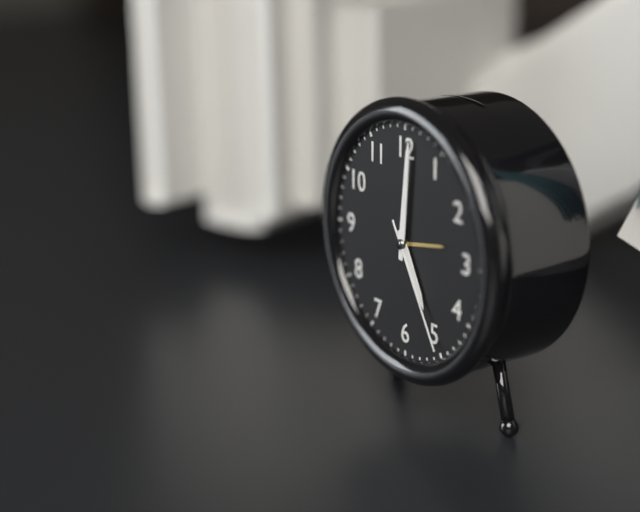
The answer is 5h01m25s
